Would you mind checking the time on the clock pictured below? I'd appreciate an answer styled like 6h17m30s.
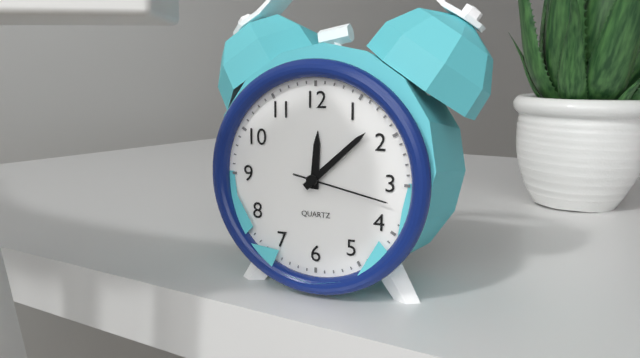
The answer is 12h08m17s
